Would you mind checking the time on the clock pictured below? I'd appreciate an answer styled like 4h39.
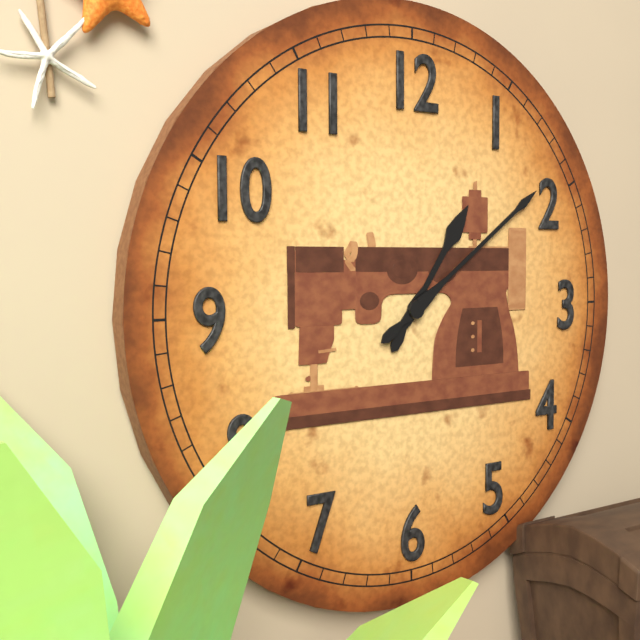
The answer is 1h09
